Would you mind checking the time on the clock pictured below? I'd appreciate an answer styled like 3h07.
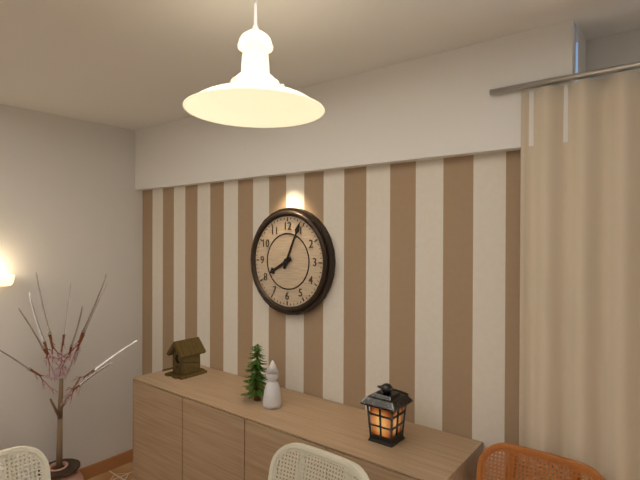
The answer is 8h04
